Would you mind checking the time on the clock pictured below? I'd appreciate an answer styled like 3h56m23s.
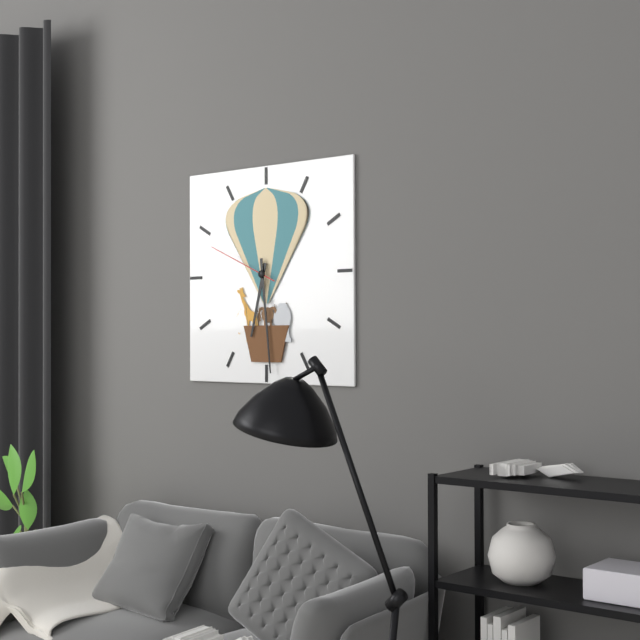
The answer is 6h29m49s
